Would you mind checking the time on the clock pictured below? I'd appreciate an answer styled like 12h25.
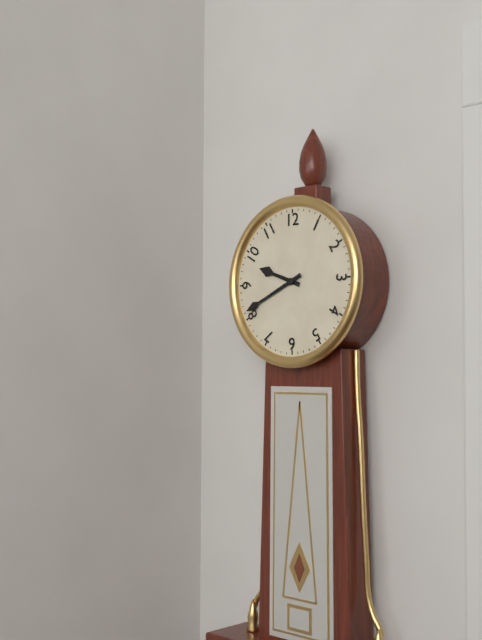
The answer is 9h41
